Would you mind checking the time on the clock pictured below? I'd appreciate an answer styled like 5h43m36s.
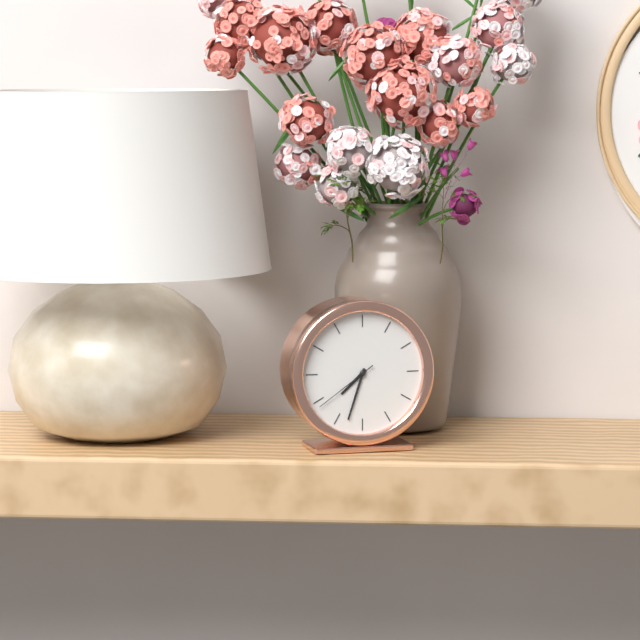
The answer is 7h33m39s
